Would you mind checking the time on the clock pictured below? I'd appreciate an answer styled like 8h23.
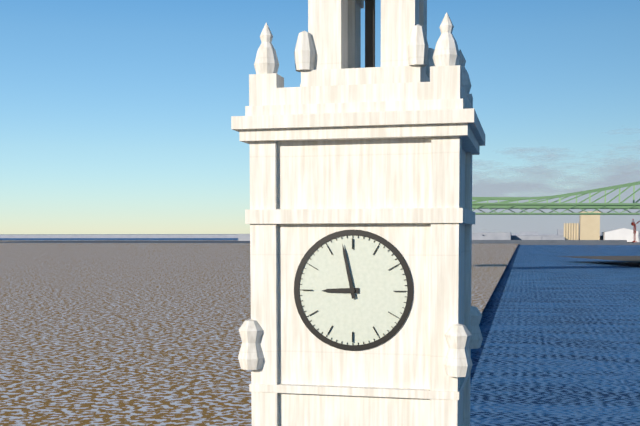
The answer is 8h58
